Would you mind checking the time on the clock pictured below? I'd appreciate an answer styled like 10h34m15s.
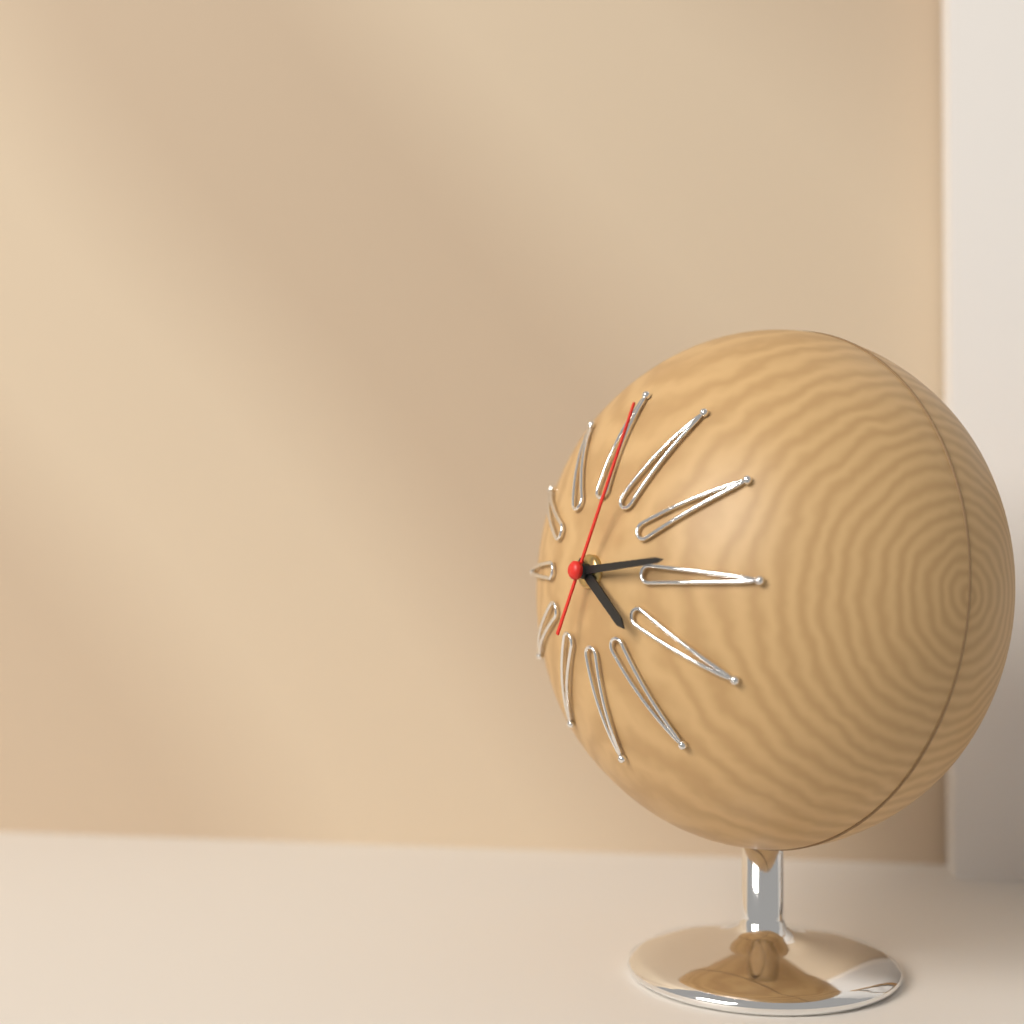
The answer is 4h14m04s
